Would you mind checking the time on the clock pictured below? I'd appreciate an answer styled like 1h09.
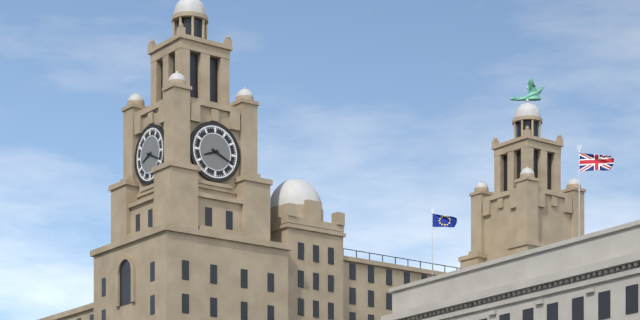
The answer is 8h19
